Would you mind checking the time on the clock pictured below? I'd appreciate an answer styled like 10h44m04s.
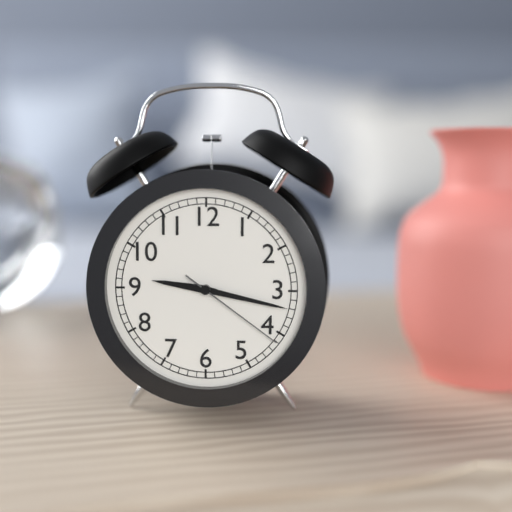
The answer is 9h17m21s
